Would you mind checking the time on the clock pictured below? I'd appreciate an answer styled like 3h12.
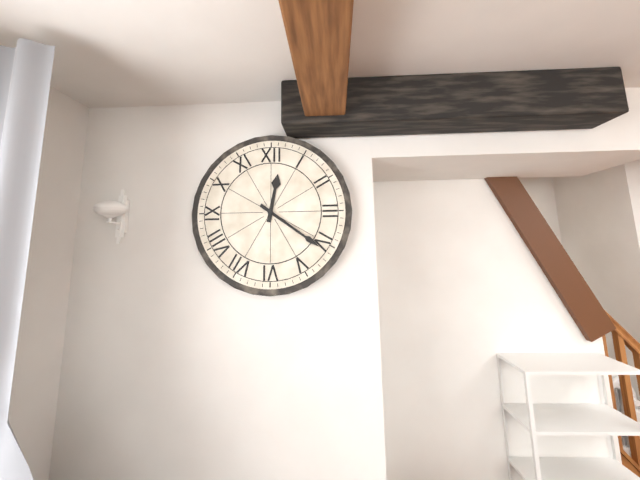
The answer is 12h21
